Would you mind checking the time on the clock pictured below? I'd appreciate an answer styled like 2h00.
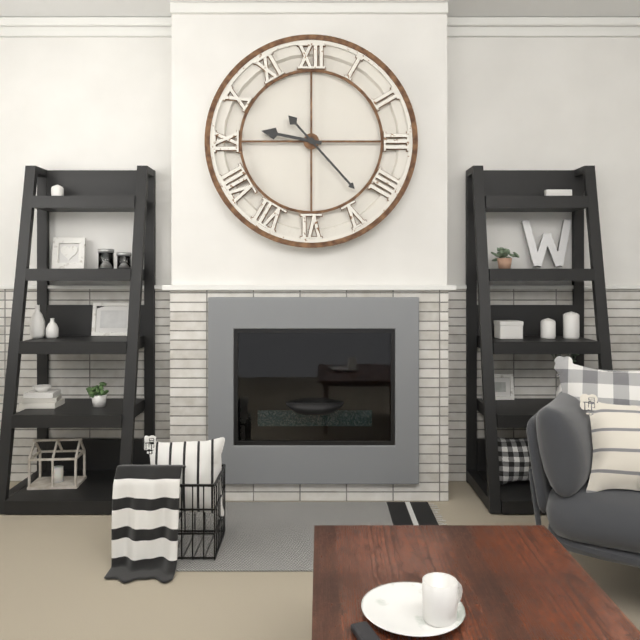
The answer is 9h23
